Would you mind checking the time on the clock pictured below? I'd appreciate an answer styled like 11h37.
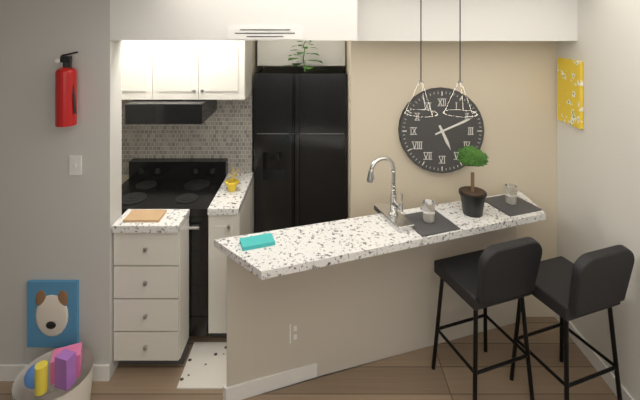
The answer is 5h11
